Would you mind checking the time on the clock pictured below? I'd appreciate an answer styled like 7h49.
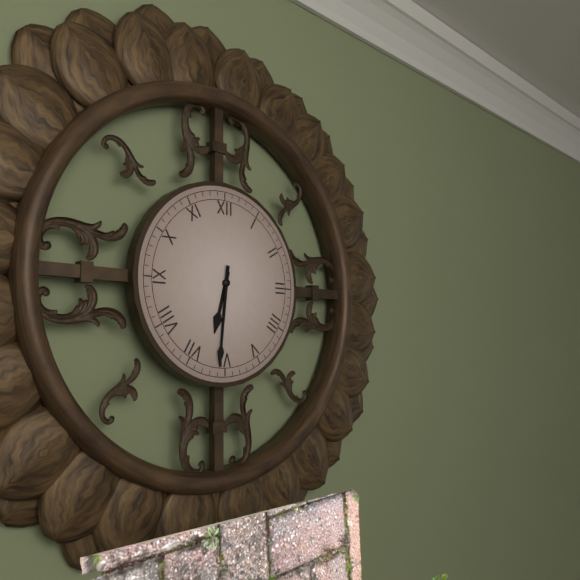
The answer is 6h31
